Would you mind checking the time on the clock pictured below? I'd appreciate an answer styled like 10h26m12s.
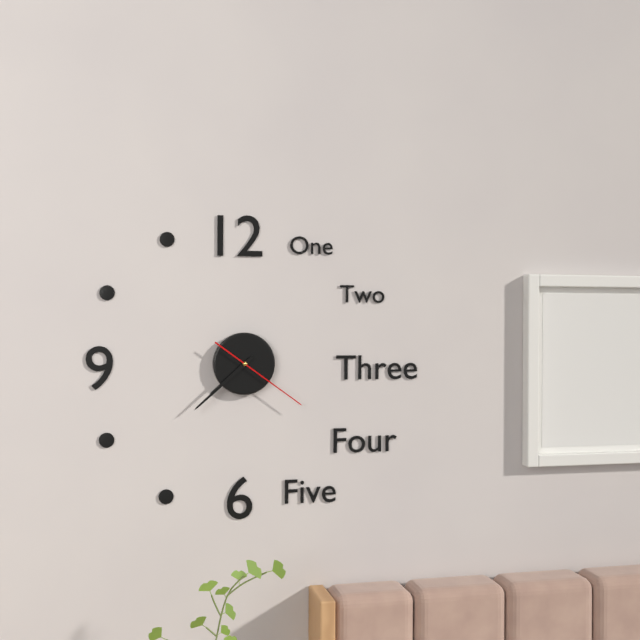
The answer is 7h38m21s
